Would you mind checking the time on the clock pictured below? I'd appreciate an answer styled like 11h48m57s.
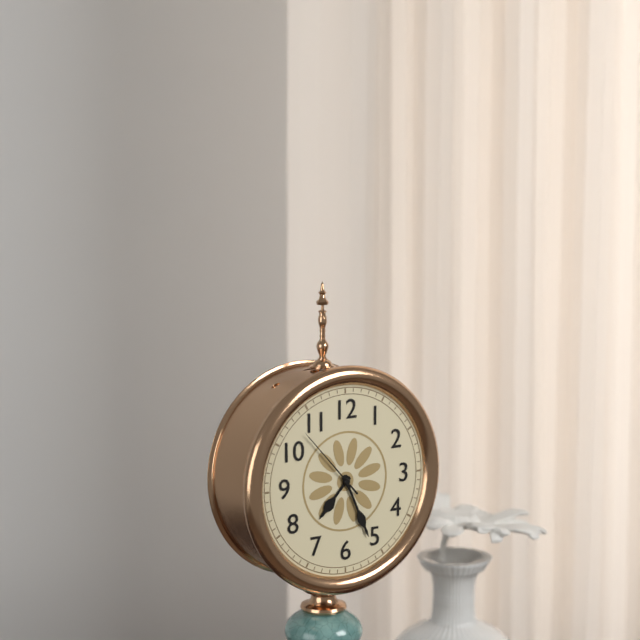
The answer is 7h26m53s
